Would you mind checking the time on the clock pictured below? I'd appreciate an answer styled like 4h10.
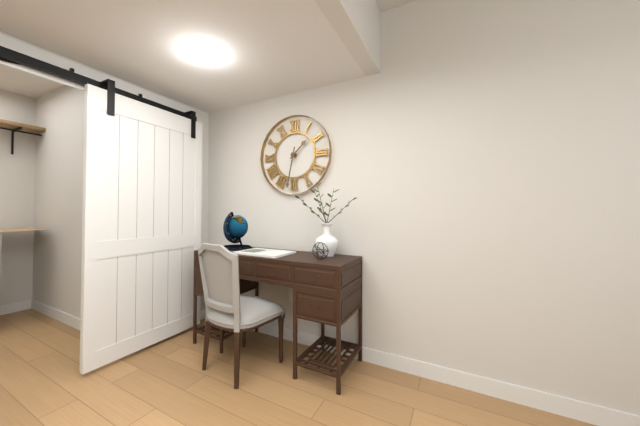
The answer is 1h32
